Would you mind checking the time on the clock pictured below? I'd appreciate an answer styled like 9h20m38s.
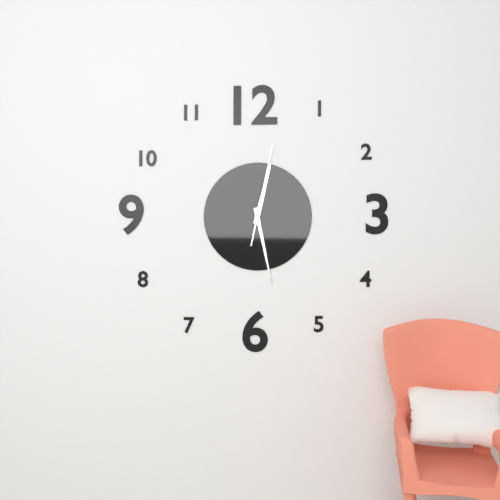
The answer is 12h28m02s
